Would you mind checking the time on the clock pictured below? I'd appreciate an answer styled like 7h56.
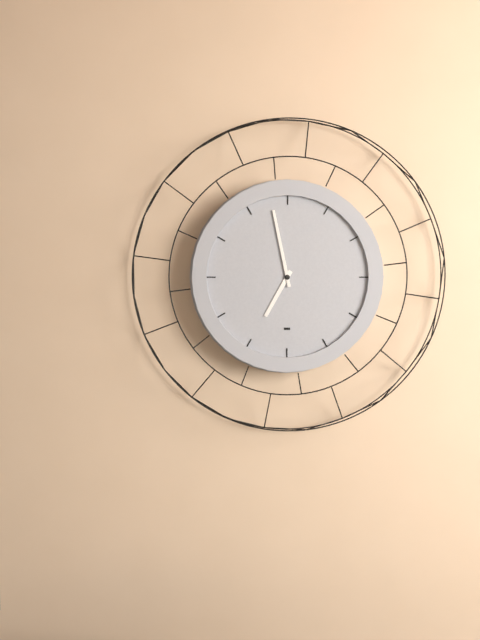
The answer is 6h58
